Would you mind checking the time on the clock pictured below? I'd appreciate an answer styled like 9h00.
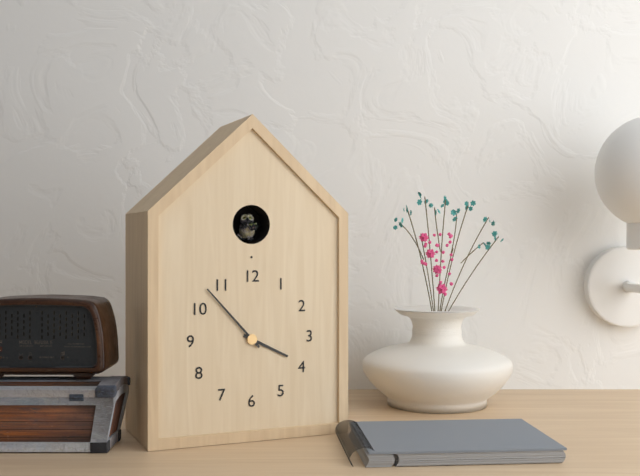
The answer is 3h53
